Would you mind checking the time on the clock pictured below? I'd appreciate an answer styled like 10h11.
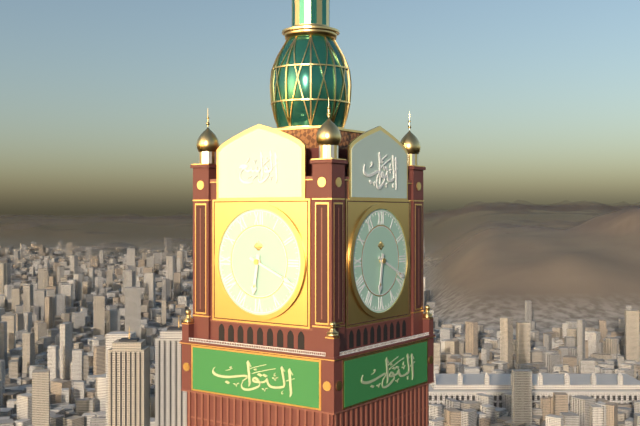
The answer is 6h19
